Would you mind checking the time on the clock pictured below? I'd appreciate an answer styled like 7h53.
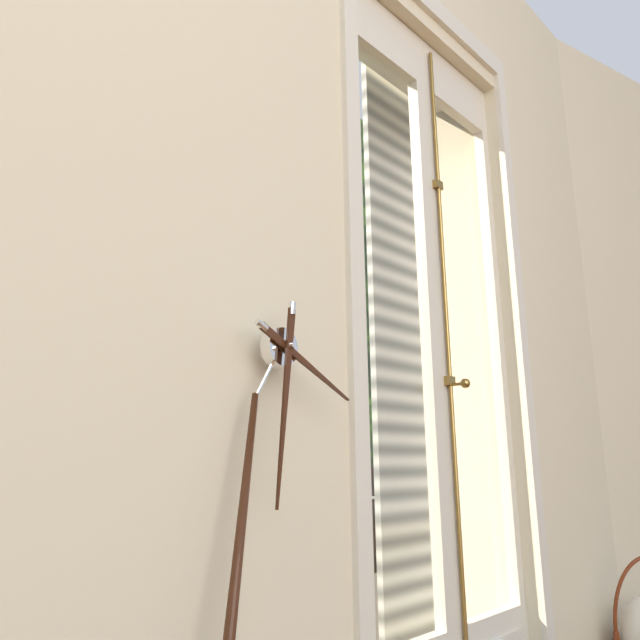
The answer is 3h29
